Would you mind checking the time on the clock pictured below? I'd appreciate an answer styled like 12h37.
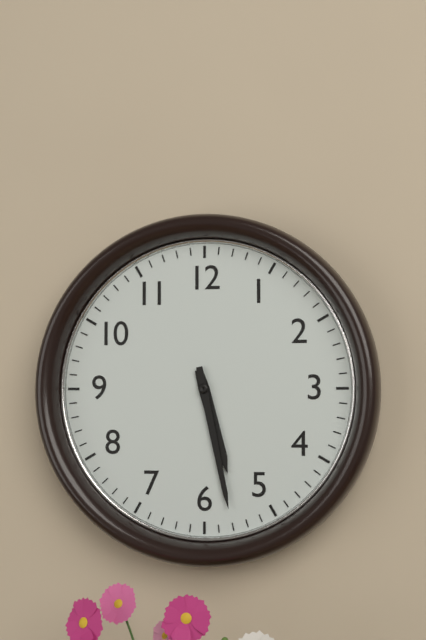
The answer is 5h28
